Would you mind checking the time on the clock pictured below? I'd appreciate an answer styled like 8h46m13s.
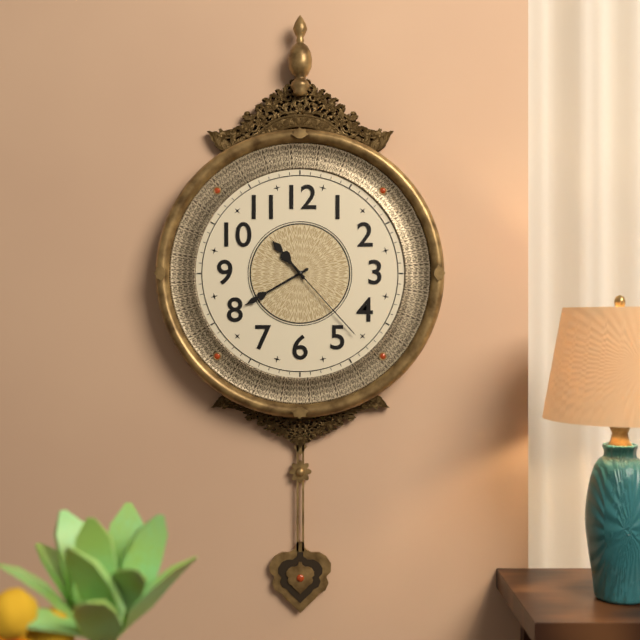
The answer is 10h40m23s
